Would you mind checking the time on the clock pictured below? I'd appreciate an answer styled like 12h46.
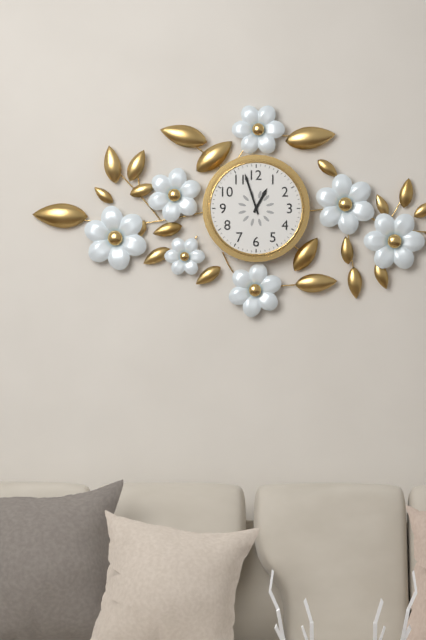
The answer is 12h57
